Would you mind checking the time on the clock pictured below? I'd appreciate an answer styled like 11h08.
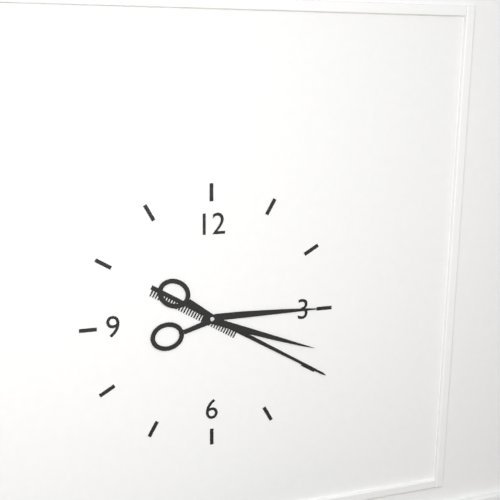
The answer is 3h20
